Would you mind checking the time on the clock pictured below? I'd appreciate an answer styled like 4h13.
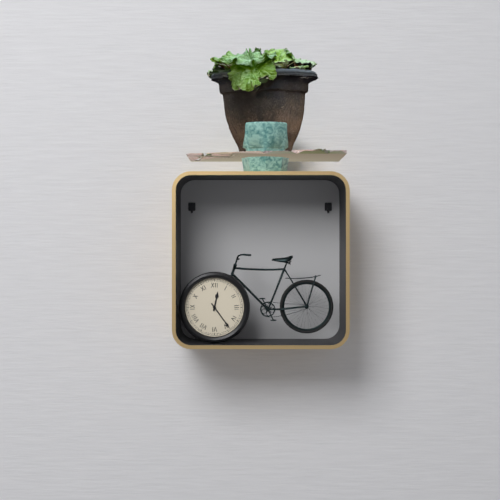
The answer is 12h24
